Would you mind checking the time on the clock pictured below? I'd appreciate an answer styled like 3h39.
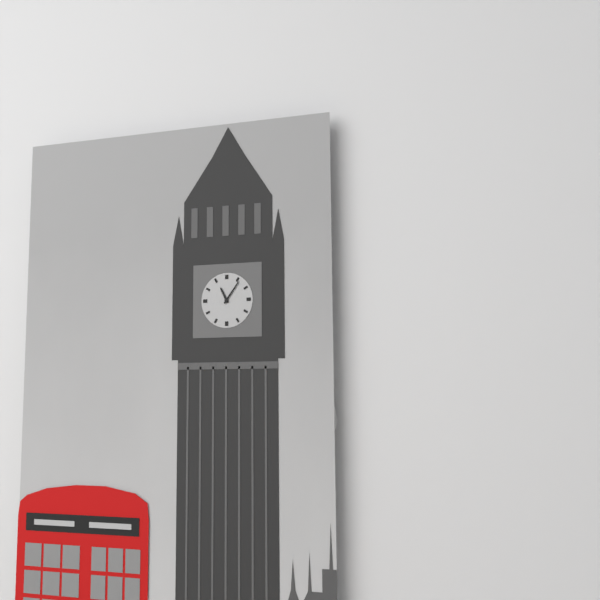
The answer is 11h06
